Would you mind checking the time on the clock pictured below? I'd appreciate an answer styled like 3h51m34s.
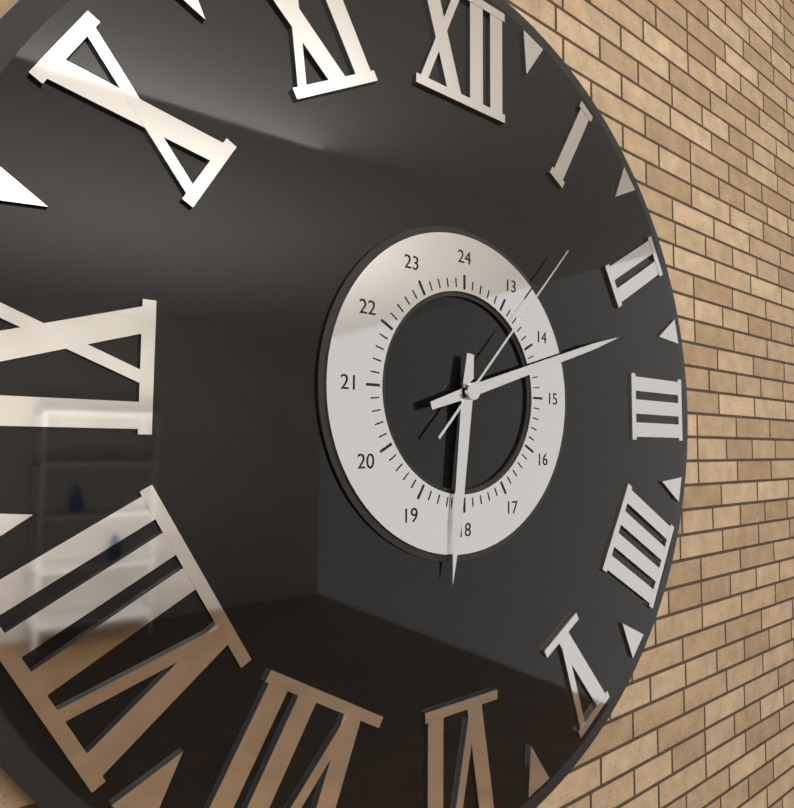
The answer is 6h12m07s
